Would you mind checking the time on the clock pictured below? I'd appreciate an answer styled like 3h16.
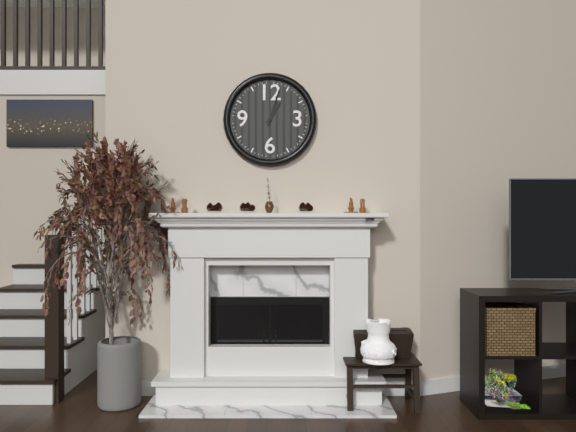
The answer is 1h03
